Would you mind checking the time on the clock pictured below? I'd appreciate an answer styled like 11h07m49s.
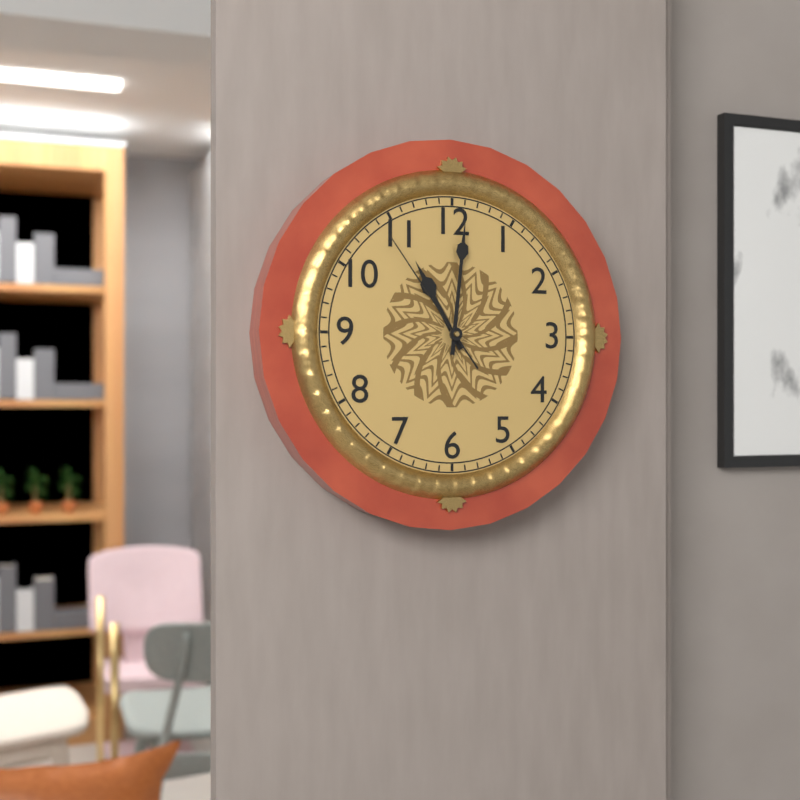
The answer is 11h01m54s
